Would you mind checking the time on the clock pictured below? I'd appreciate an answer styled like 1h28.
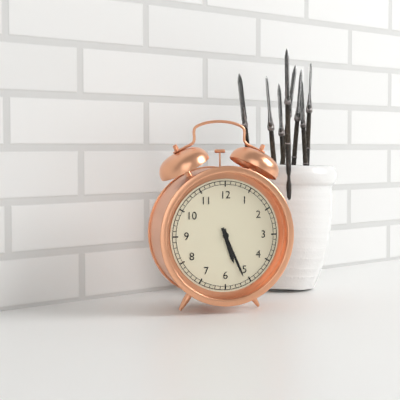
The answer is 5h26
